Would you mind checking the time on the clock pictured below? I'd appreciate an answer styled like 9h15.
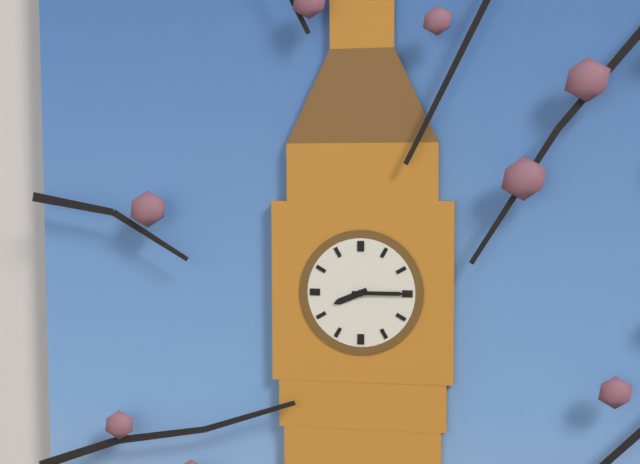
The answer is 8h15
